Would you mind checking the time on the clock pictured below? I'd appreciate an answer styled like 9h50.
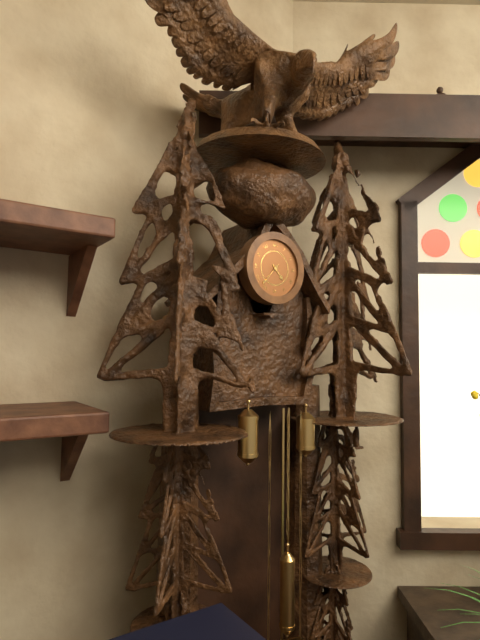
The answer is 4h37
